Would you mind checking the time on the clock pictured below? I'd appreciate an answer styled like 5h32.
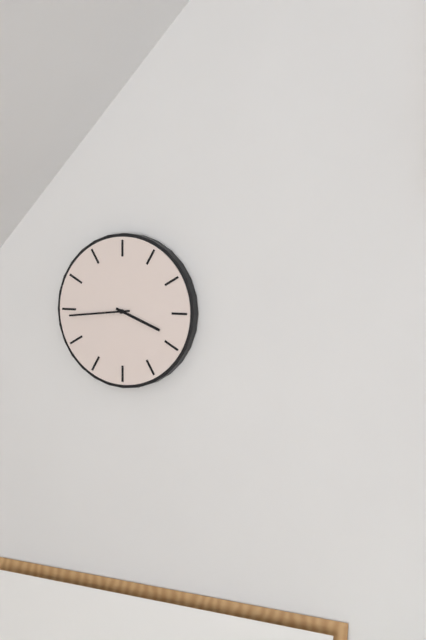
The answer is 3h44
